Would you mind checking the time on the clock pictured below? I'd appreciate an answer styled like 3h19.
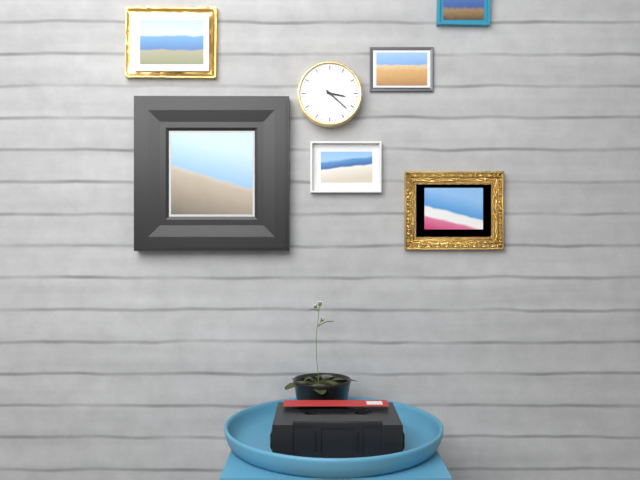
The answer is 3h22
